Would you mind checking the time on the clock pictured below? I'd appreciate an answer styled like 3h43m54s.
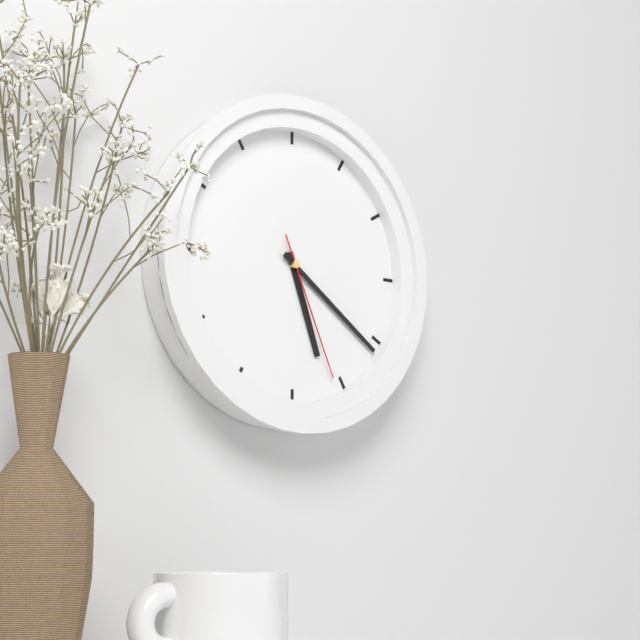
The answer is 5h21m26s
